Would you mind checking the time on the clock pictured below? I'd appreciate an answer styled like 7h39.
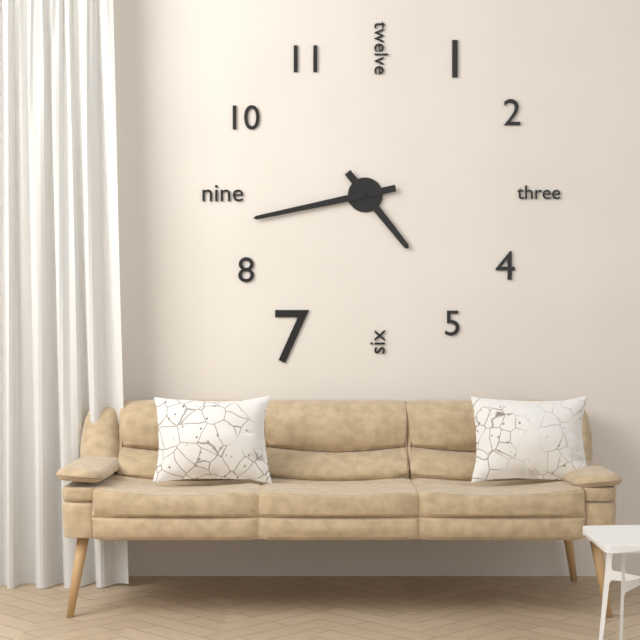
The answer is 4h43
